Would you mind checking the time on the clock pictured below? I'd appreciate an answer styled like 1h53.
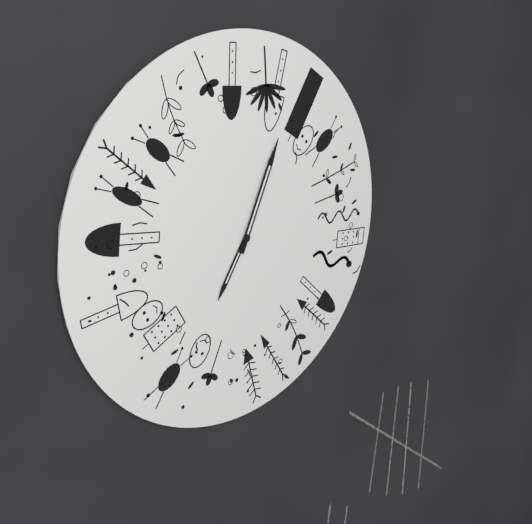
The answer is 7h04
